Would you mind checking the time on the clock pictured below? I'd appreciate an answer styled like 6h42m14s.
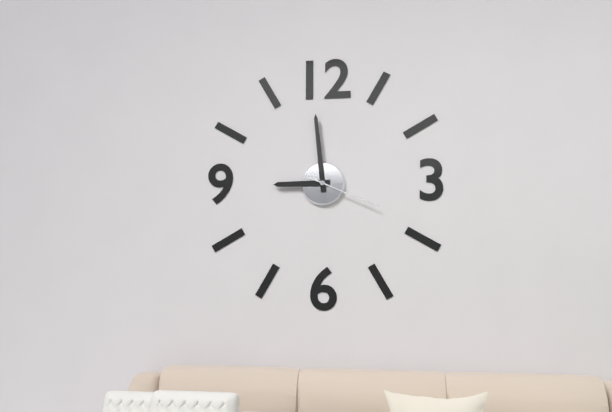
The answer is 8h59m19s
